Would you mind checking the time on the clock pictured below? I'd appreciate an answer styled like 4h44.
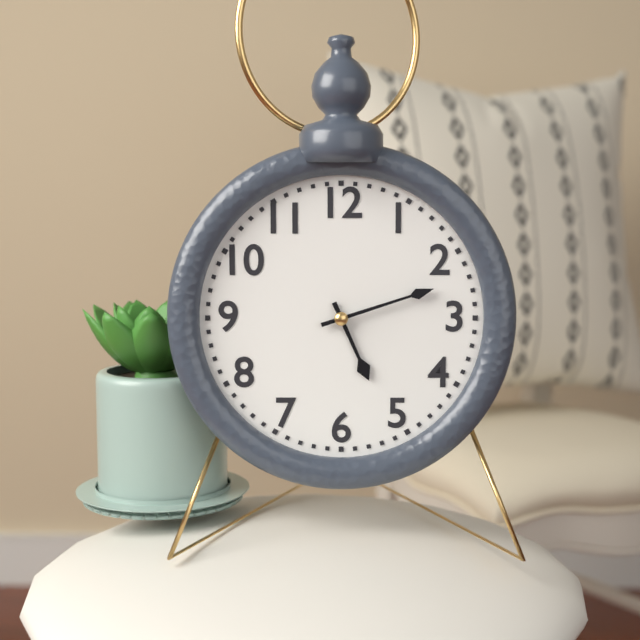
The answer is 5h12
